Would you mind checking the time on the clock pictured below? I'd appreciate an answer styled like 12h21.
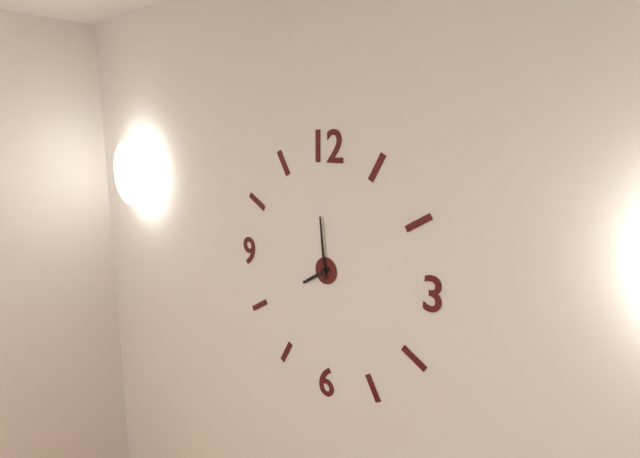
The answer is 7h59
